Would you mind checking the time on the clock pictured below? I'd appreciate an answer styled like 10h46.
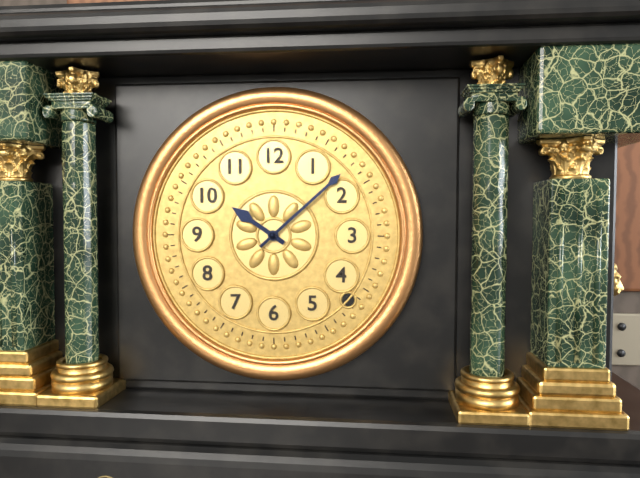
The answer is 10h08
